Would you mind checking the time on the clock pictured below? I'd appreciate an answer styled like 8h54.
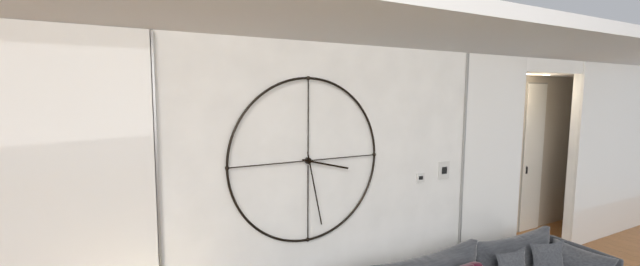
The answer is 3h28
